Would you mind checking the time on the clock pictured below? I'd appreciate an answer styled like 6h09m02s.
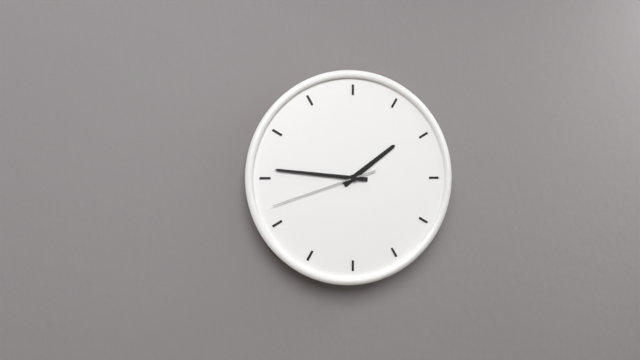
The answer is 1h46m42s
